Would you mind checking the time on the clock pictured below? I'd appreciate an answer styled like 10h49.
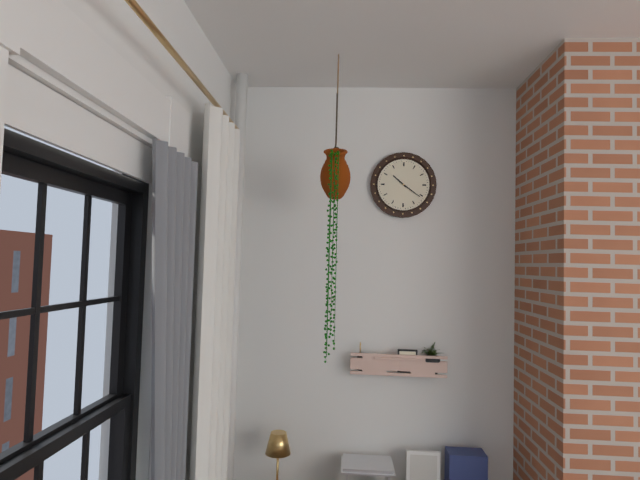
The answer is 10h21
